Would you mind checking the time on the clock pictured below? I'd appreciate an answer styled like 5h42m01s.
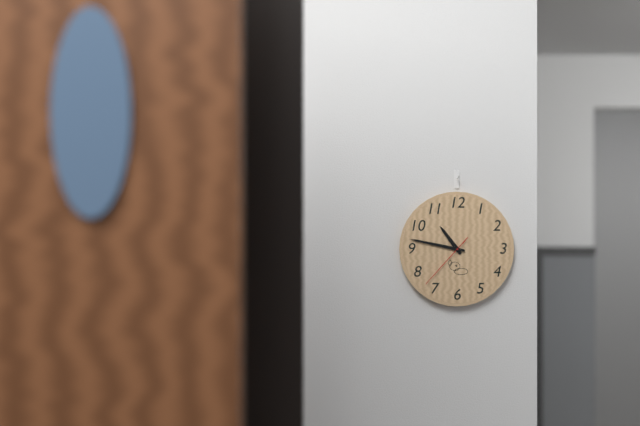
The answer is 10h47m37s
